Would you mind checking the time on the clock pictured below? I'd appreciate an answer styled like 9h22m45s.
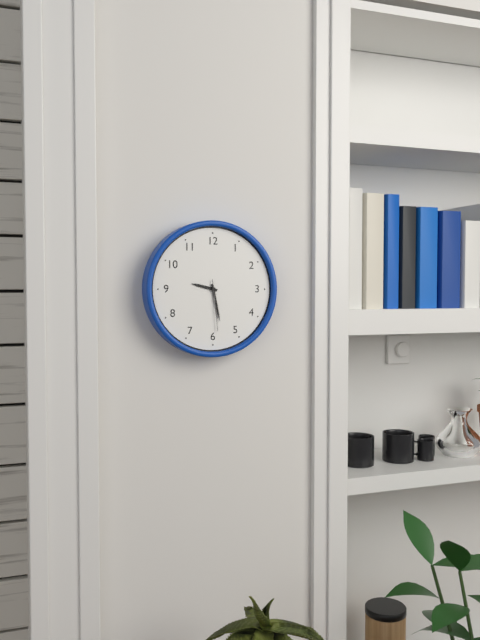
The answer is 9h28m29s
